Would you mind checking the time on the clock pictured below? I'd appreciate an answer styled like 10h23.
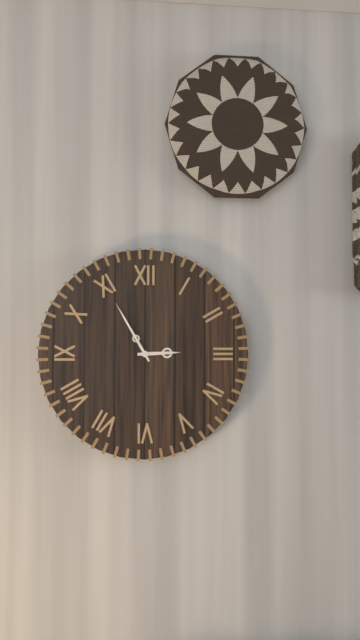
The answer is 2h55
